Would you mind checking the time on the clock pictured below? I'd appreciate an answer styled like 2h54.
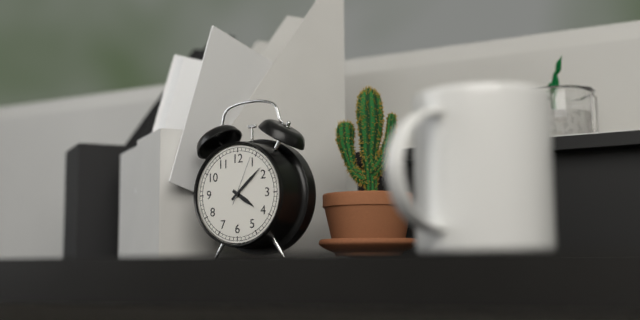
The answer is 4h08
